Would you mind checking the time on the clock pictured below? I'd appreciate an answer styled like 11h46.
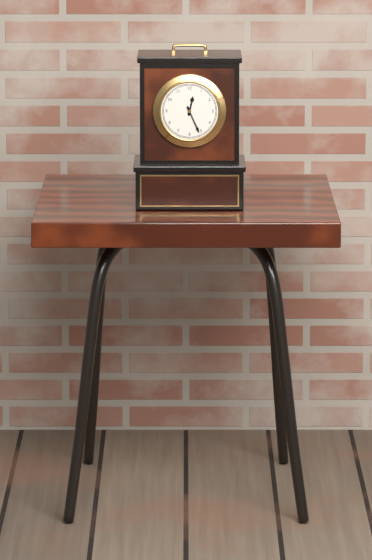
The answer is 12h26
